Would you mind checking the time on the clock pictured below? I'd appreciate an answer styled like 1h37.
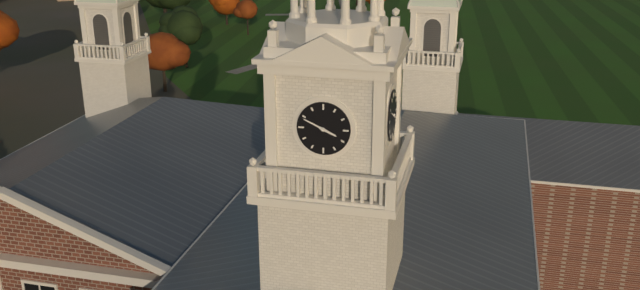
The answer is 3h49
